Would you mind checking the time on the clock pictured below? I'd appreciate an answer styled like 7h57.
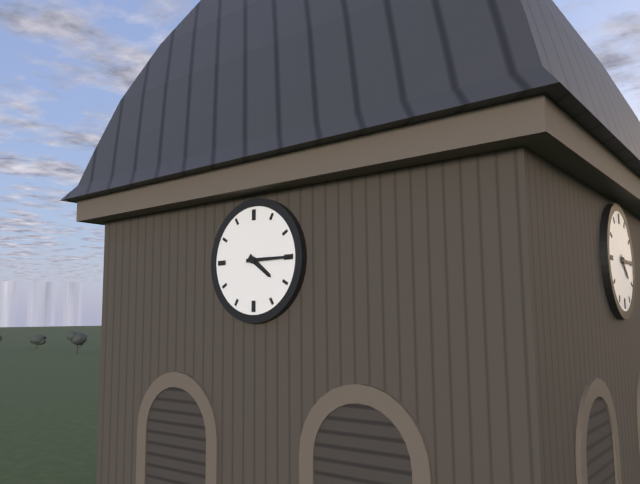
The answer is 4h15
